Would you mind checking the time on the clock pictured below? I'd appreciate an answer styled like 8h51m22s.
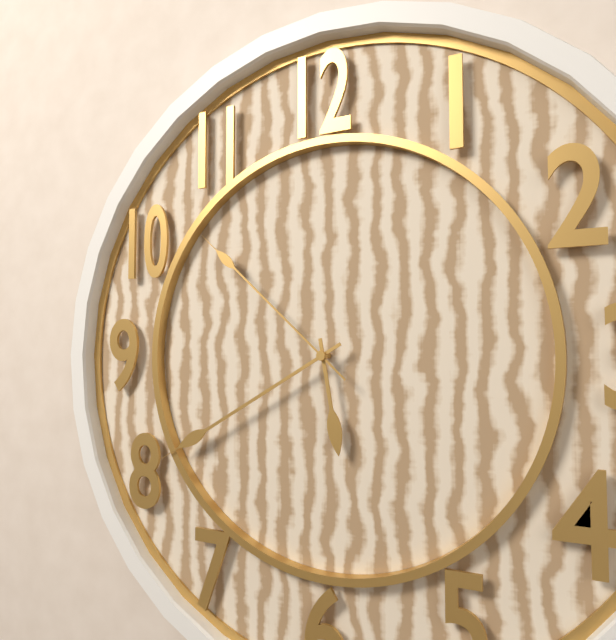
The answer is 5h40m52s
